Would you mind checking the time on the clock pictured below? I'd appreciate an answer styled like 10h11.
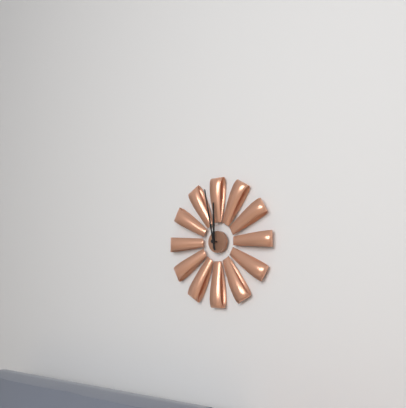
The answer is 11h58
